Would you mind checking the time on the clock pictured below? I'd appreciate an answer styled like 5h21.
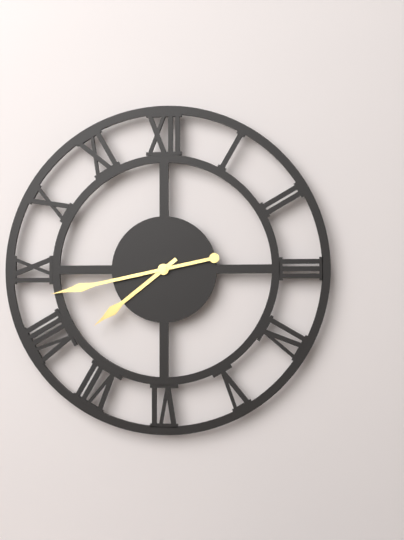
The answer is 7h43
